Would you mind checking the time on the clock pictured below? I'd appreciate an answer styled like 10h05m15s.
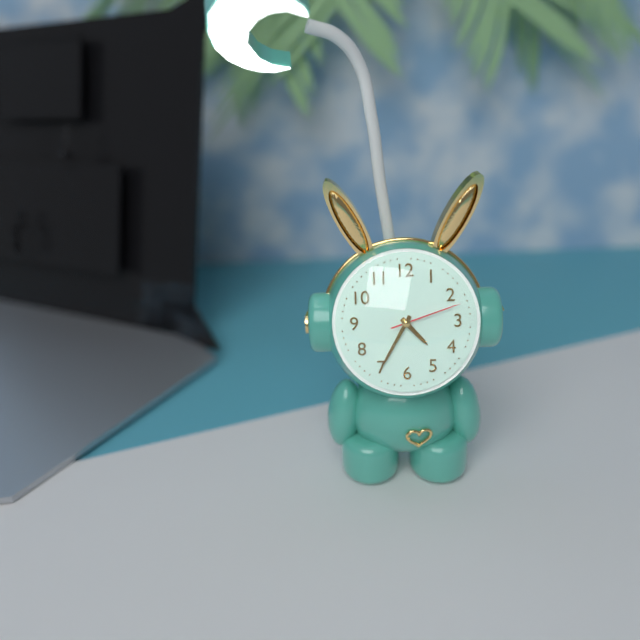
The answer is 4h35m12s
